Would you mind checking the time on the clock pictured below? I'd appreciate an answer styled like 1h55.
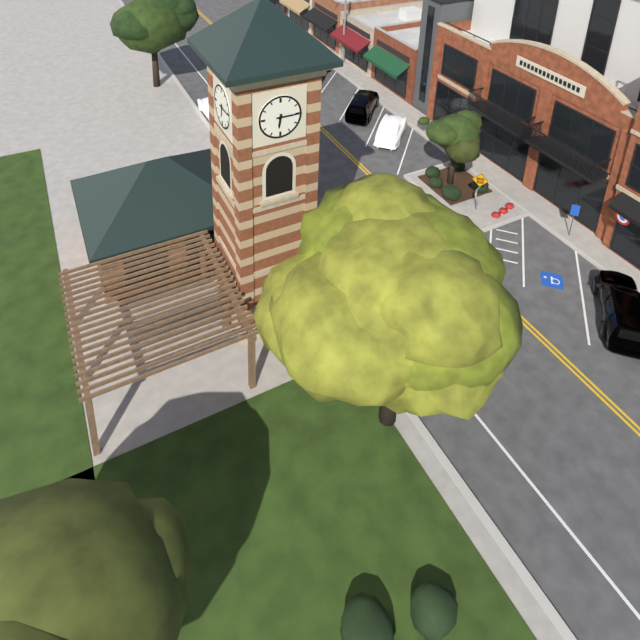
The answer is 6h15
